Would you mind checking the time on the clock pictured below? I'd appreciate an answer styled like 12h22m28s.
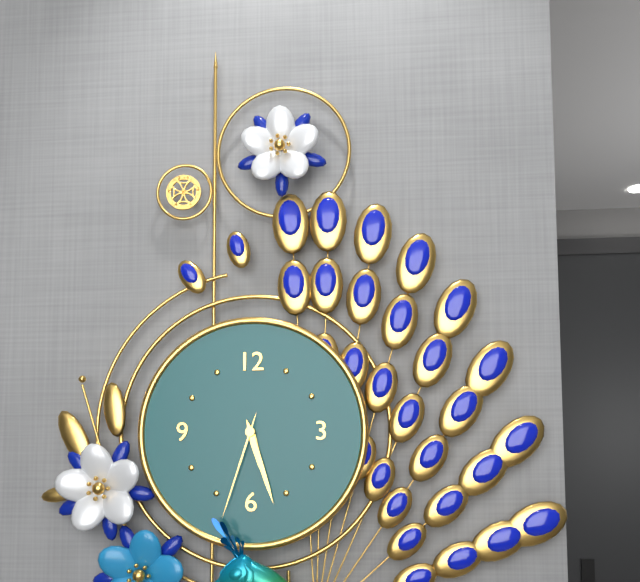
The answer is 5h27m33s
